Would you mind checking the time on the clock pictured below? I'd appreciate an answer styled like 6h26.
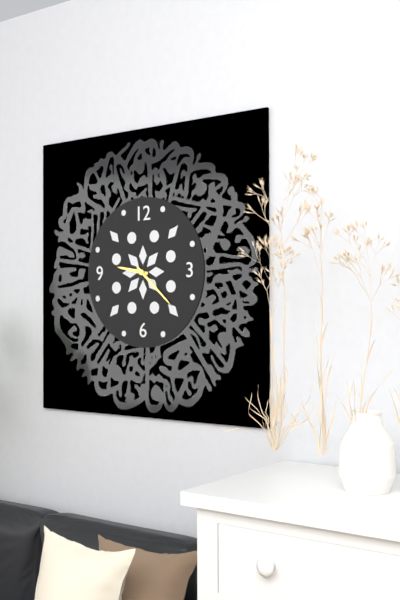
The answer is 9h22
